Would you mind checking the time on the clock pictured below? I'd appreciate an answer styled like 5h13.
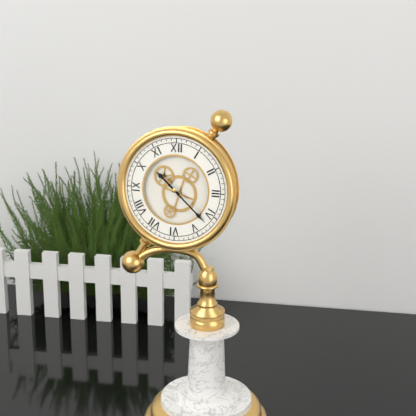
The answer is 10h22
